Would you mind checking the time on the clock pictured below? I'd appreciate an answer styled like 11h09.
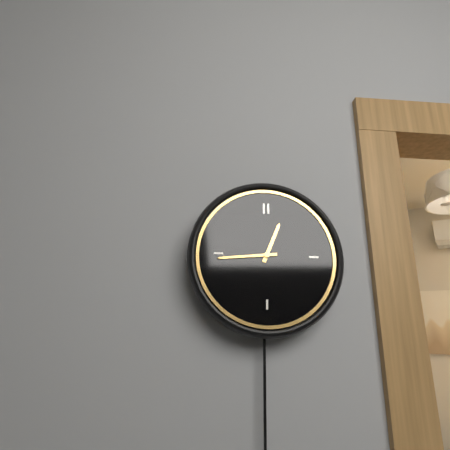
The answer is 12h44
